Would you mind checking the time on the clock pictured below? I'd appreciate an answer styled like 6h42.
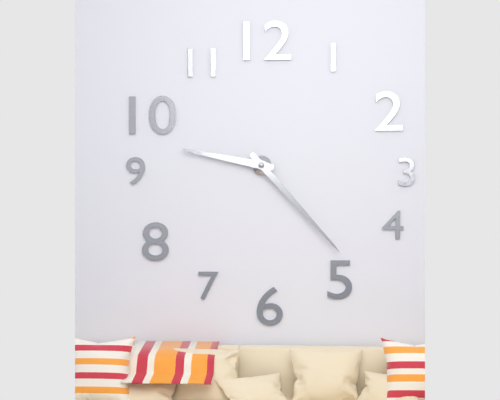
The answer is 9h23
